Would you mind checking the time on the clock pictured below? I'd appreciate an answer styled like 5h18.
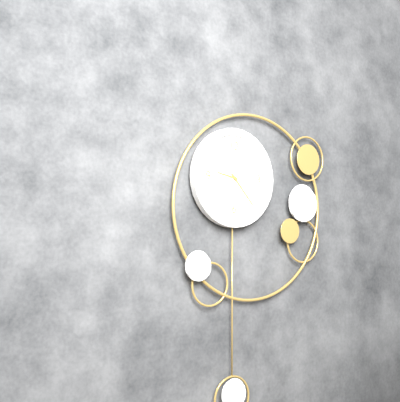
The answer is 9h23
